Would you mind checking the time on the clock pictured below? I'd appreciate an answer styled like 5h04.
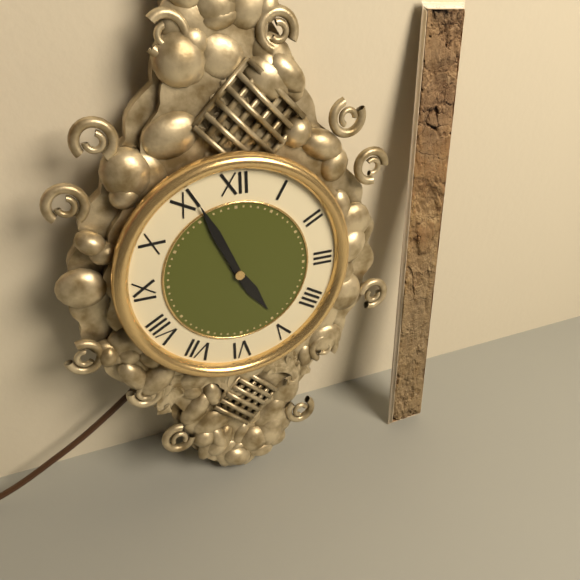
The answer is 4h56
